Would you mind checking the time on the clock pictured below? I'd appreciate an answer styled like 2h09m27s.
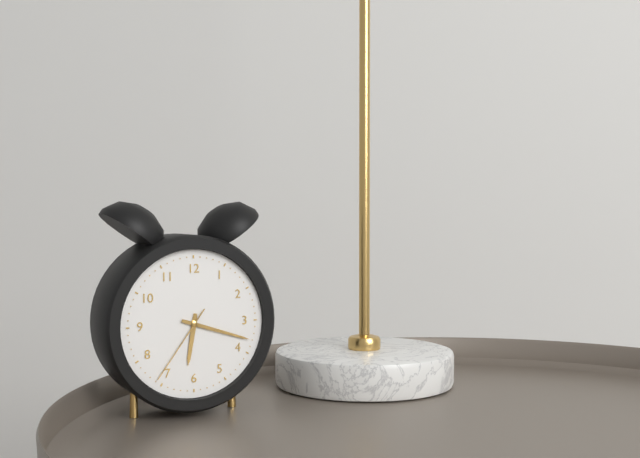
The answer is 6h18m36s
